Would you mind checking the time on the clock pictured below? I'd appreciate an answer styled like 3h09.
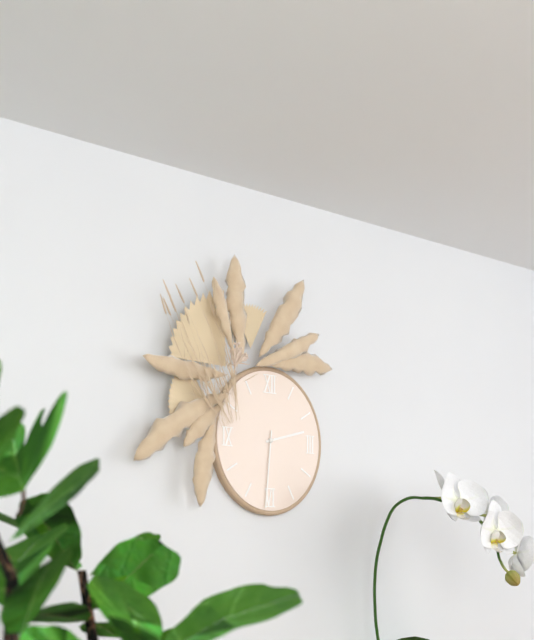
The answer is 2h31
